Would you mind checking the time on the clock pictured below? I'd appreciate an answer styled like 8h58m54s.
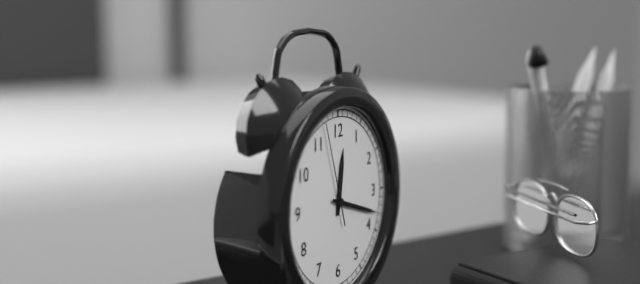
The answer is 12h18m57s
